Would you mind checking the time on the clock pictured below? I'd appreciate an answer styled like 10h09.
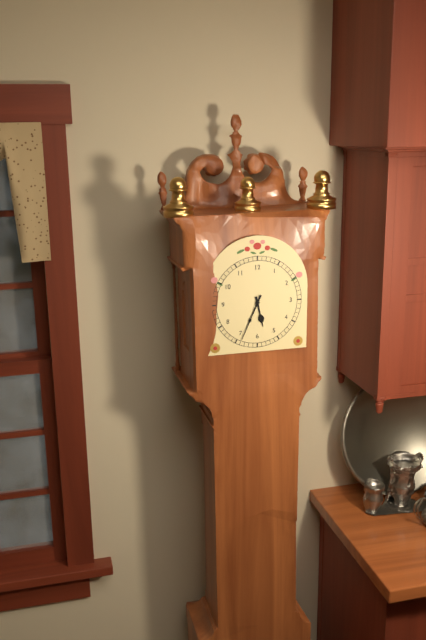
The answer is 5h34
